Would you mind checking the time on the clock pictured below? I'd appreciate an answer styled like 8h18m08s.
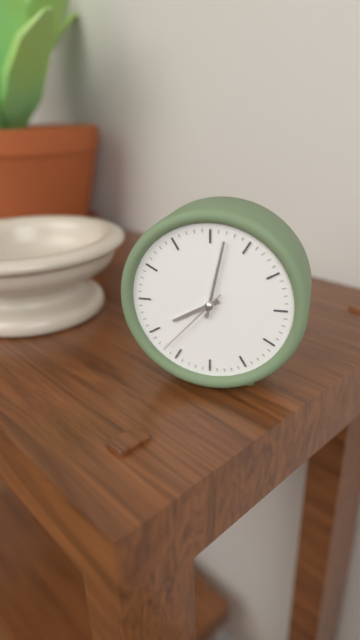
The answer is 8h02m37s
